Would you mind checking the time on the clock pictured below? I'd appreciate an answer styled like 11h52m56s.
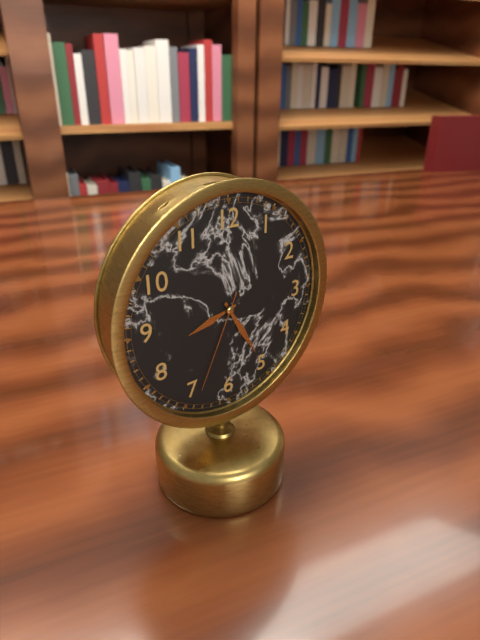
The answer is 8h25m34s
